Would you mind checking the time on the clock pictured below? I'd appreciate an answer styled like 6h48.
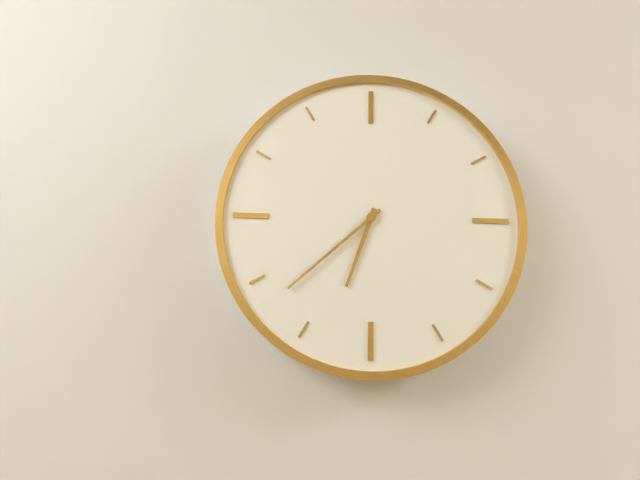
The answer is 6h38
